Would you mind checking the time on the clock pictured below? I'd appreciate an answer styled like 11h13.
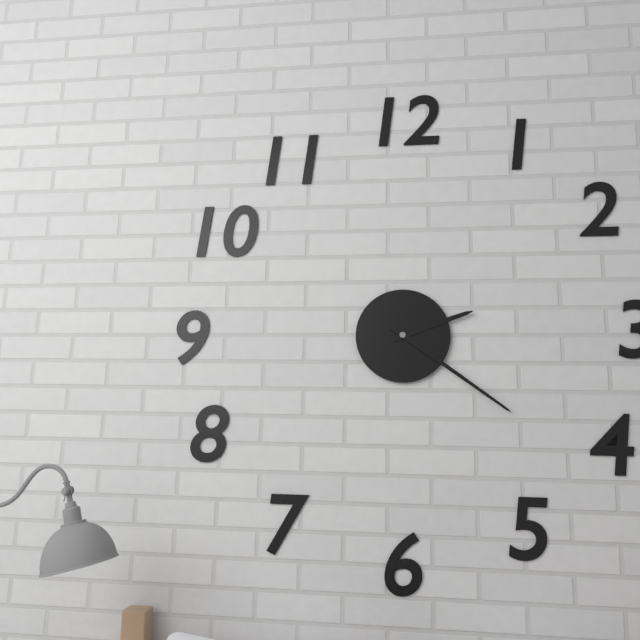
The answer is 2h21
